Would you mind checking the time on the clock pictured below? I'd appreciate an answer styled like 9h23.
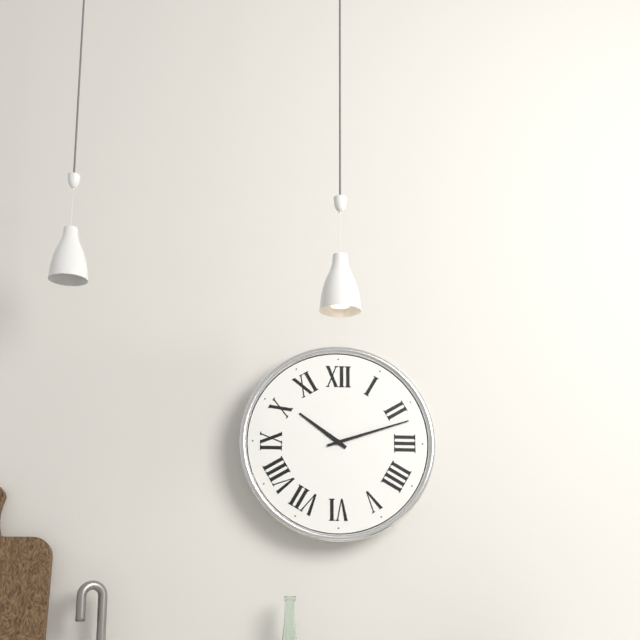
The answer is 10h12
